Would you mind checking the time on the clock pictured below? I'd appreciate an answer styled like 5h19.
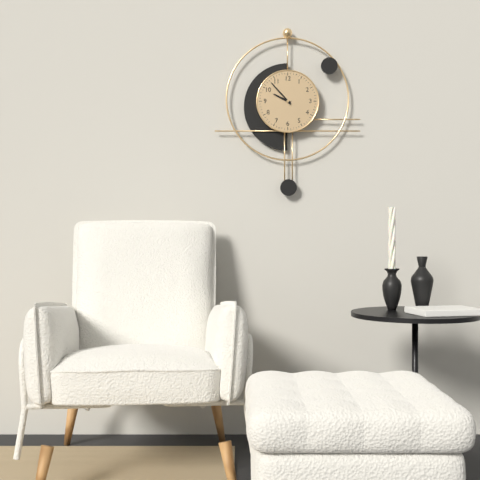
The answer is 9h53
